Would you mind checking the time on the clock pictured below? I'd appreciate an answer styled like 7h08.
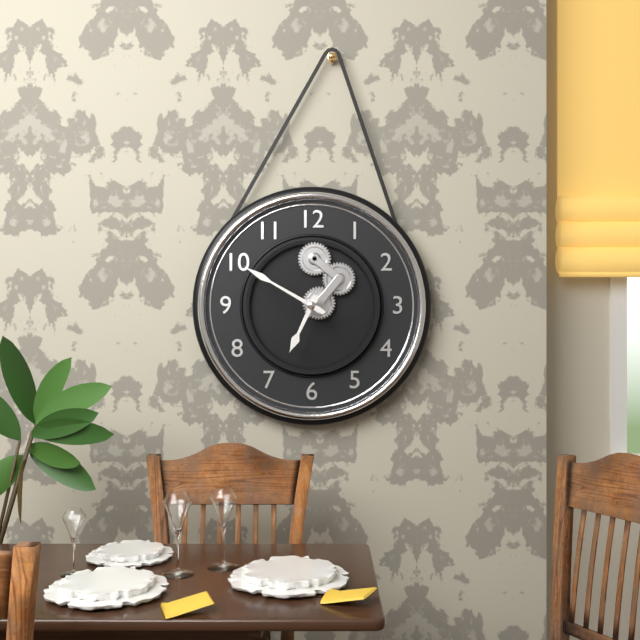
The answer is 6h50
